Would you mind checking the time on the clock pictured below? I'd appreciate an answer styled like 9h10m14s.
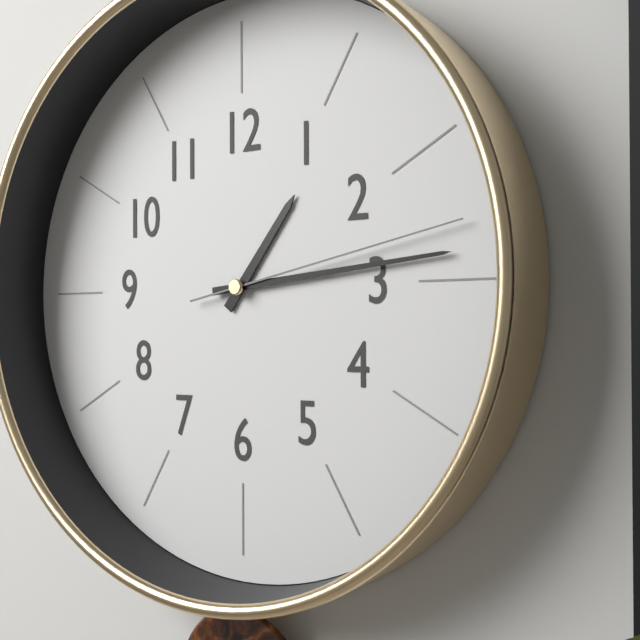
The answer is 1h14m13s
